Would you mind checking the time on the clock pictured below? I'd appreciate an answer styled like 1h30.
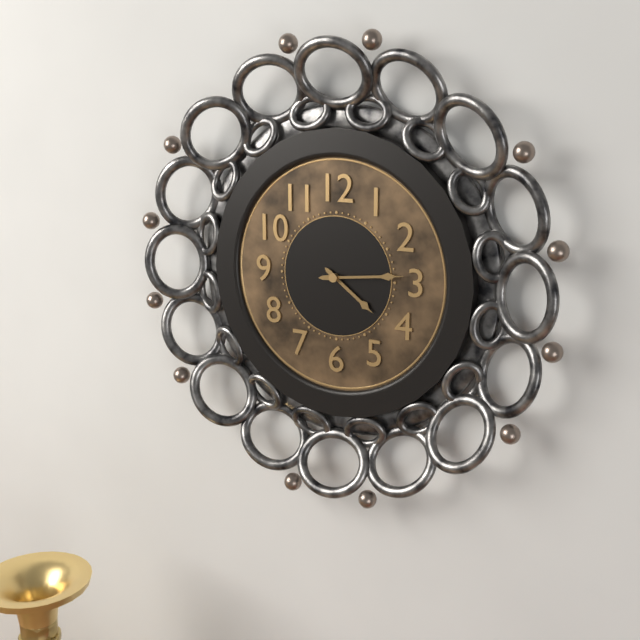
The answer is 4h14
